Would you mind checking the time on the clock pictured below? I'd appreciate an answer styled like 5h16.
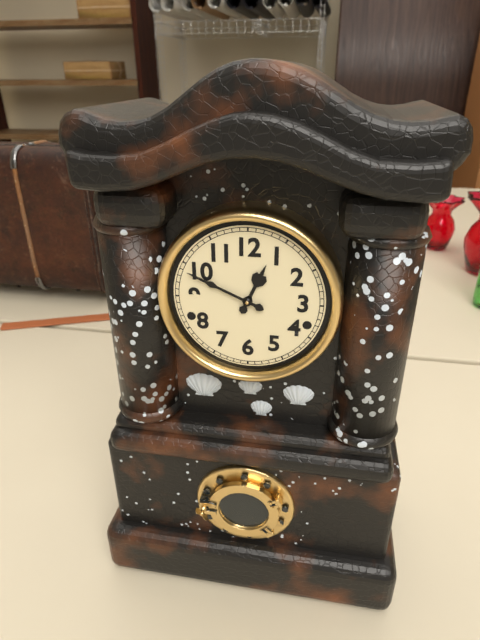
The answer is 12h49
